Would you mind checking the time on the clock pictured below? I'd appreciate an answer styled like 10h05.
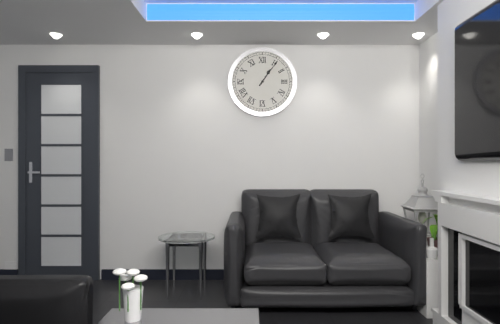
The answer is 1h06
